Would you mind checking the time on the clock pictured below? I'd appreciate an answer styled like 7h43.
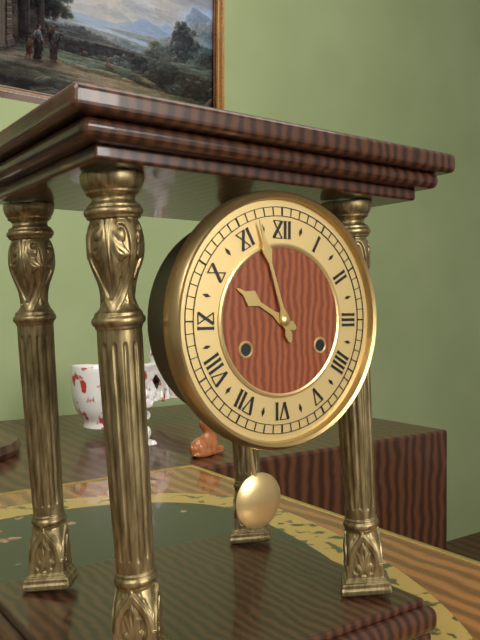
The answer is 9h57
